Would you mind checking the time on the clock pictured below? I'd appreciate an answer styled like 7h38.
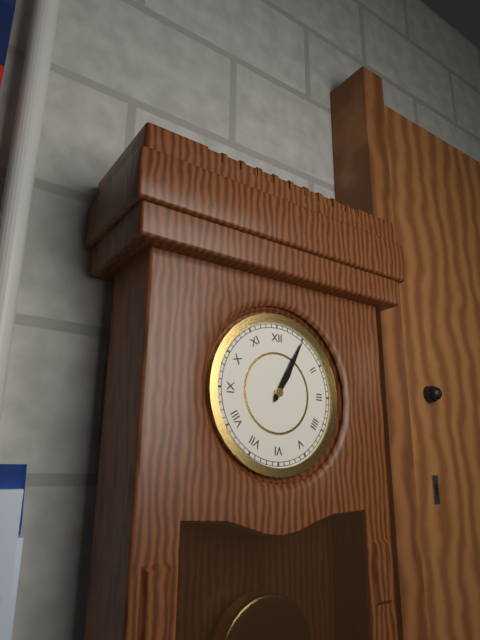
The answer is 1h05
